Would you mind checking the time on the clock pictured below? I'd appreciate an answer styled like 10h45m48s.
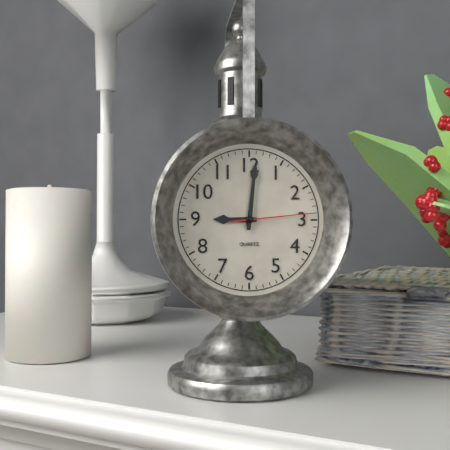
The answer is 9h01m14s
